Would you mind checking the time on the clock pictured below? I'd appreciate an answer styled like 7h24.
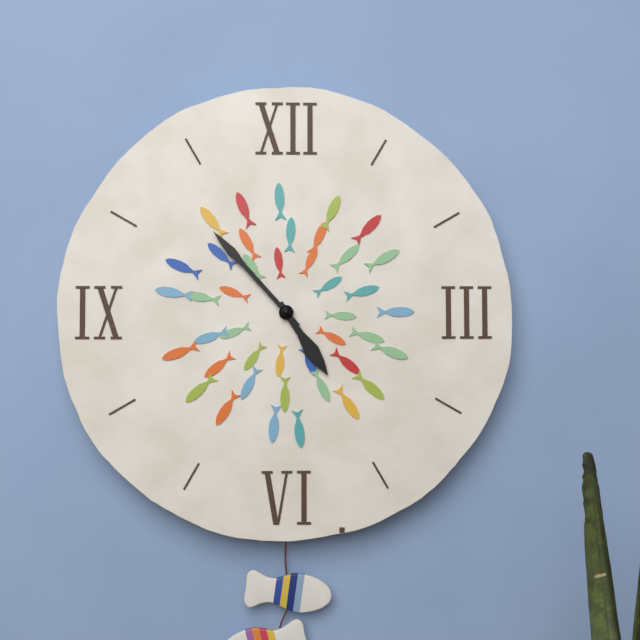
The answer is 4h53
